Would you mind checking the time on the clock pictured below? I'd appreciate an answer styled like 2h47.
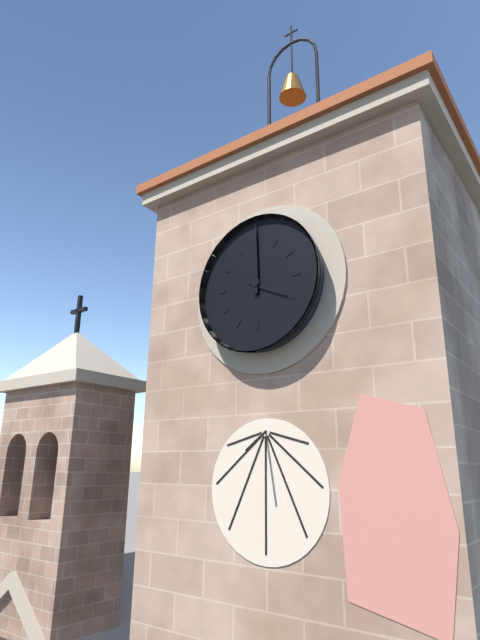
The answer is 4h00
